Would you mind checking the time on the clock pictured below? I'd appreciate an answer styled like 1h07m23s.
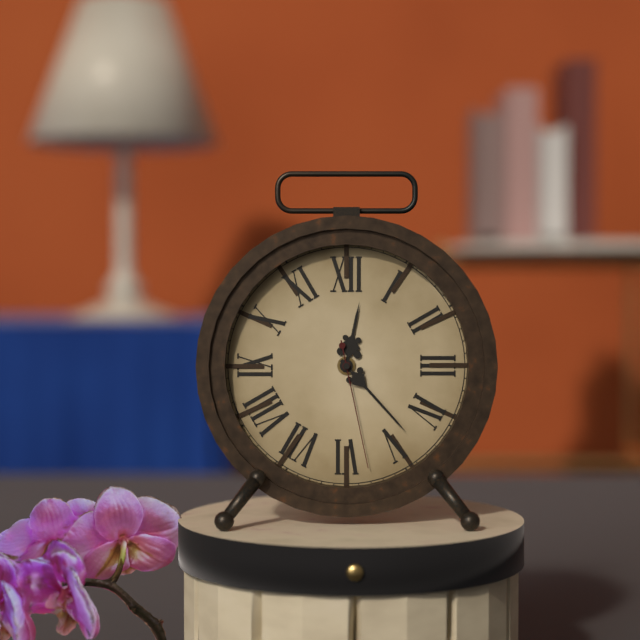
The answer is 12h23m28s
